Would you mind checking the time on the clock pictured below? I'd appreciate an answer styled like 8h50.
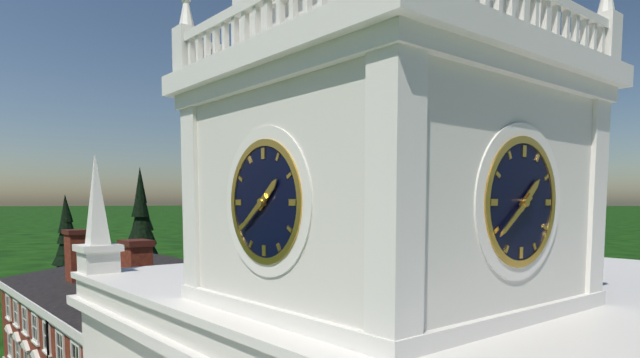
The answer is 1h39
